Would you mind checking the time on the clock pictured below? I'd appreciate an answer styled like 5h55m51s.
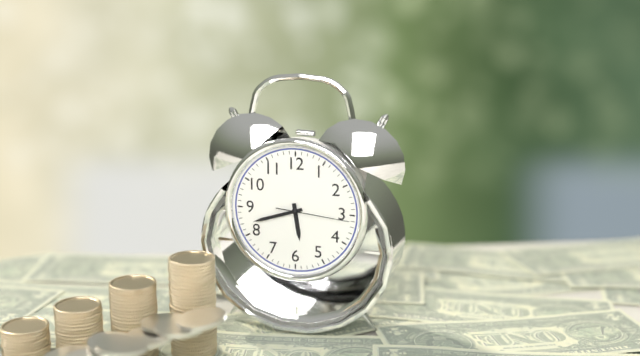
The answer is 5h42m16s
